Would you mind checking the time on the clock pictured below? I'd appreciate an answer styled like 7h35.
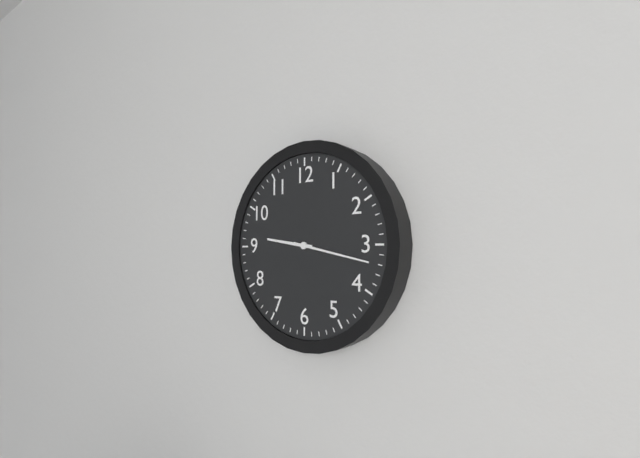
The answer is 9h17
